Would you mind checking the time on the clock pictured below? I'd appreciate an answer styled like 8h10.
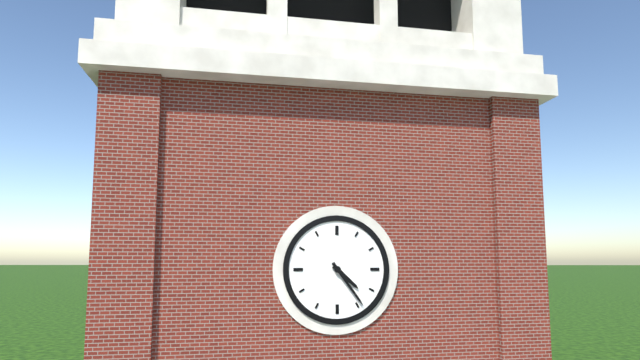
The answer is 4h24
